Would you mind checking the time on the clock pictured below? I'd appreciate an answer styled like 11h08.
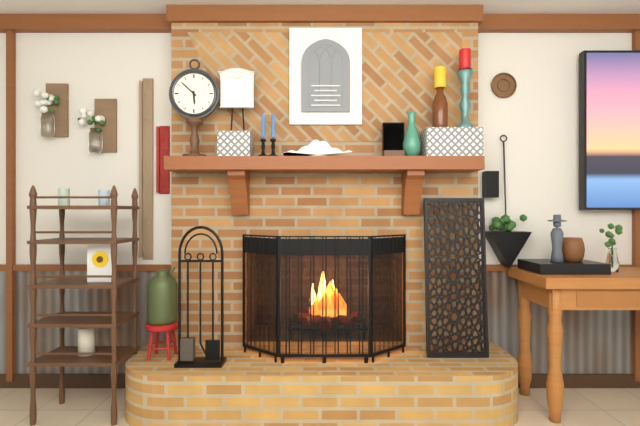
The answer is 5h52
